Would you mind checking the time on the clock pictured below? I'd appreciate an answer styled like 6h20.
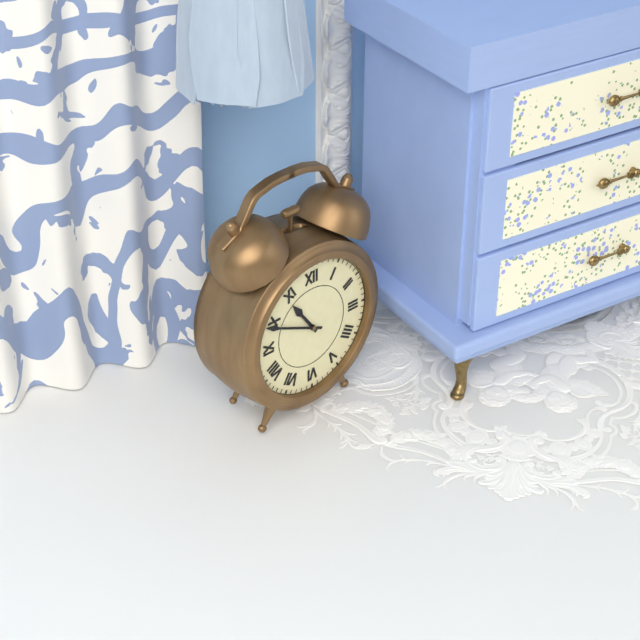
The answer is 10h49
